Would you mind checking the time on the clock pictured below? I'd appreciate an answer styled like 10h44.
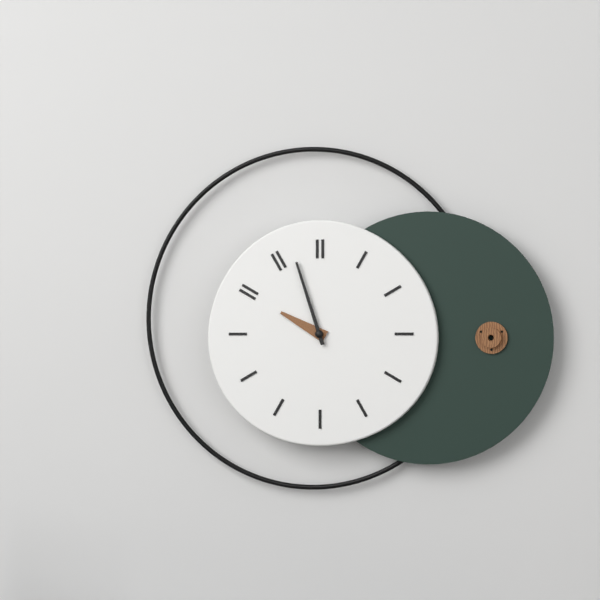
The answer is 9h57
